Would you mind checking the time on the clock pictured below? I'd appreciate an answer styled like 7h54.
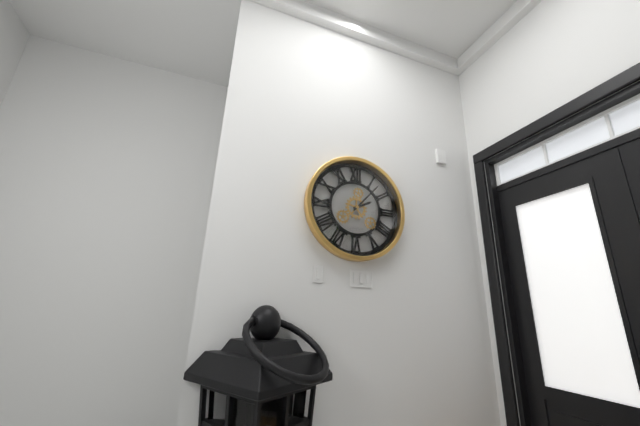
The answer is 2h07
